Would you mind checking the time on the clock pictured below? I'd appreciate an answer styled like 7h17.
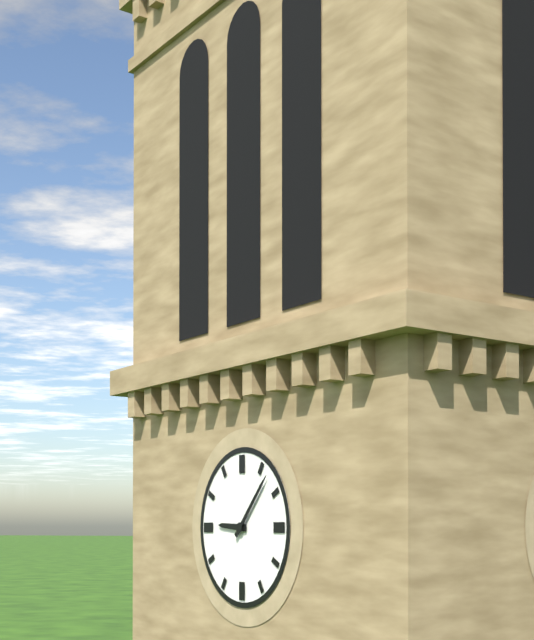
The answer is 9h07
